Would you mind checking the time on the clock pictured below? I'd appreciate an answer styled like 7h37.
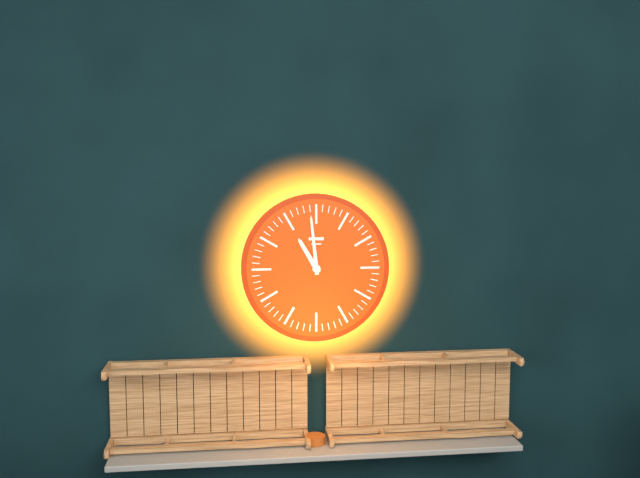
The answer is 10h59
